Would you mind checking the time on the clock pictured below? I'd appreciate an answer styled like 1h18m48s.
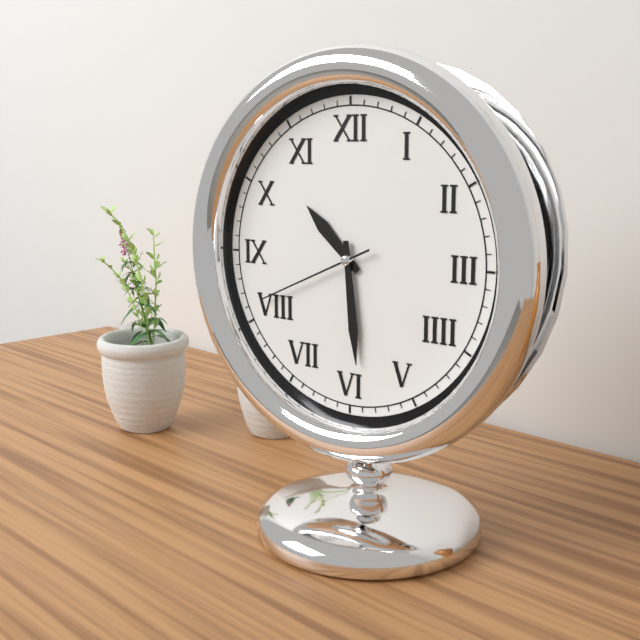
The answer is 10h29m41s
